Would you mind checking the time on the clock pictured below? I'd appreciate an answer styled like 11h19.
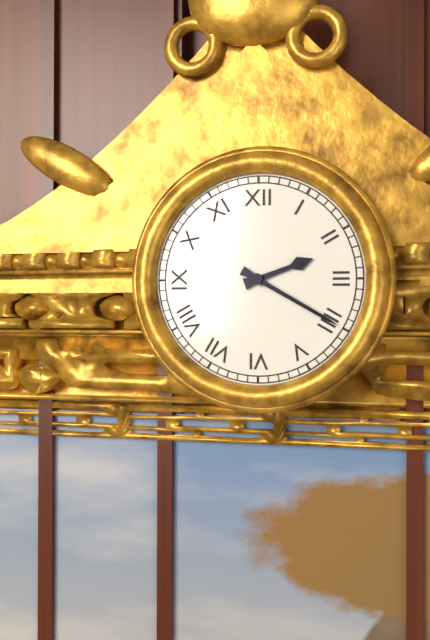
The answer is 2h20
